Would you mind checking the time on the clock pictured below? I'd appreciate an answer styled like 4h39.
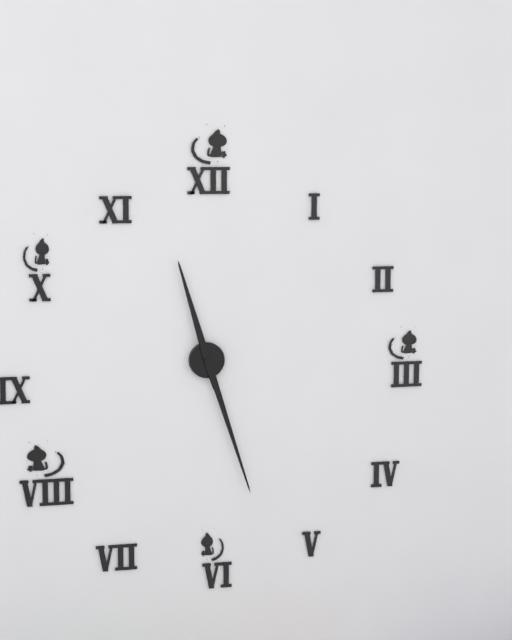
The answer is 11h27
